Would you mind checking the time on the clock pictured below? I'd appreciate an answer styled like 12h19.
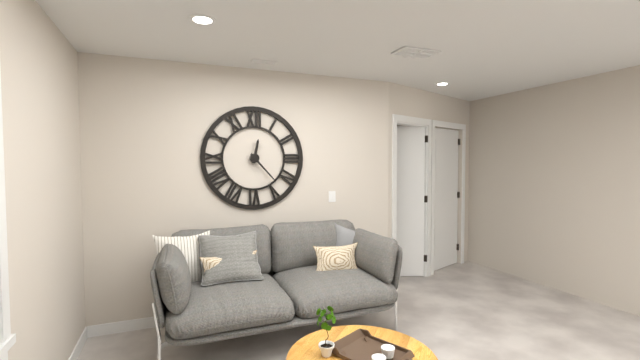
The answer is 12h23
